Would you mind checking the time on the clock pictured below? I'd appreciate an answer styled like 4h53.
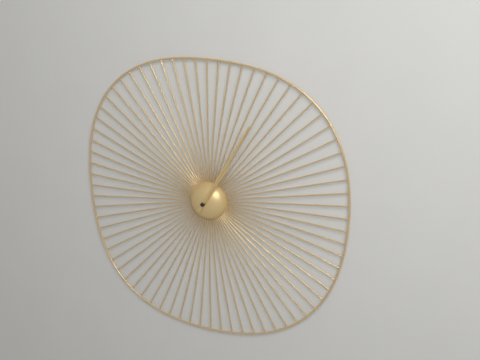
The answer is 1h05
